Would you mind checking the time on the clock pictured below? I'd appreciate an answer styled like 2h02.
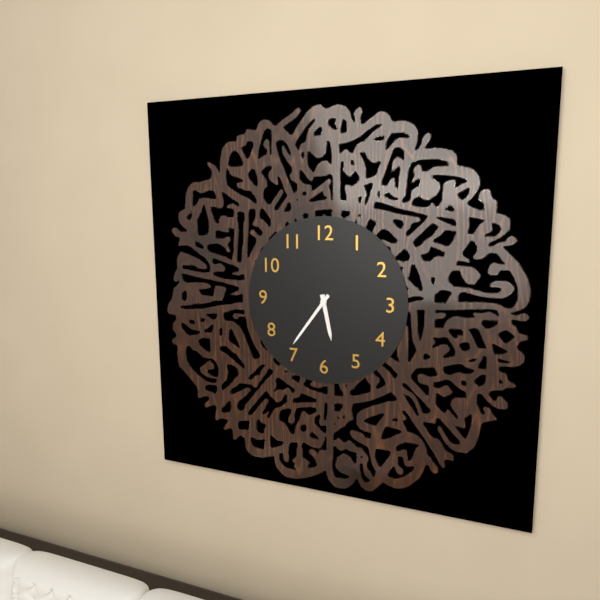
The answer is 5h36
